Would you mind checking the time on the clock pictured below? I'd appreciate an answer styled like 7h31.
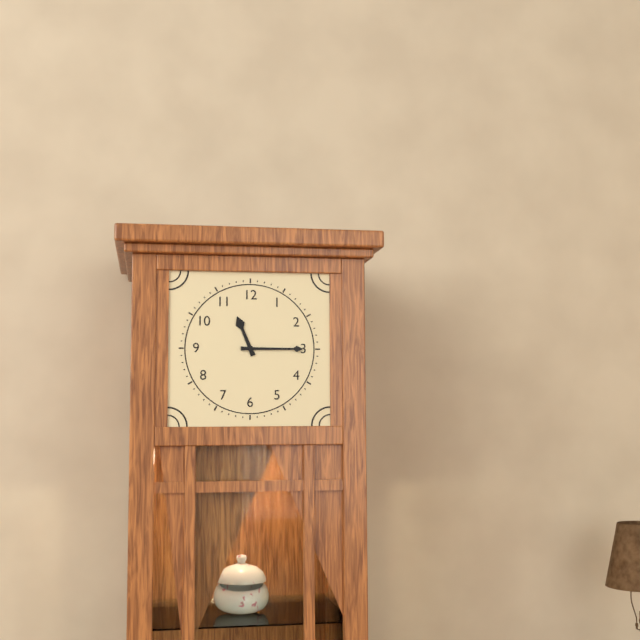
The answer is 11h15
